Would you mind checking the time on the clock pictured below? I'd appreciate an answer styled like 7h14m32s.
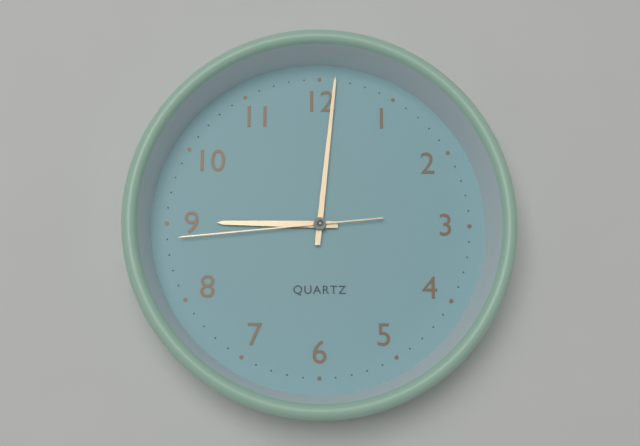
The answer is 9h01m44s
